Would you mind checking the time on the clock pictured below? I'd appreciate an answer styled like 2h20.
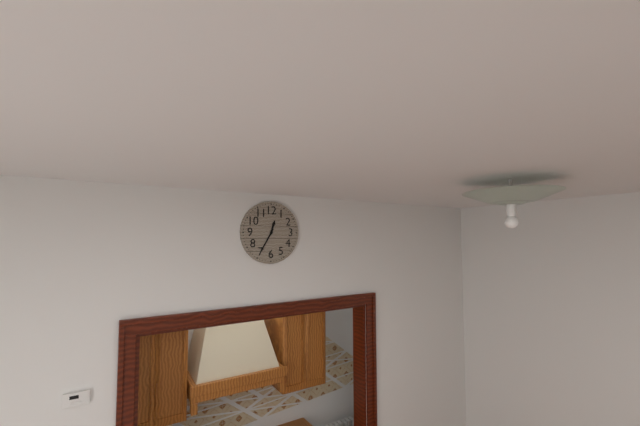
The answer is 12h35
